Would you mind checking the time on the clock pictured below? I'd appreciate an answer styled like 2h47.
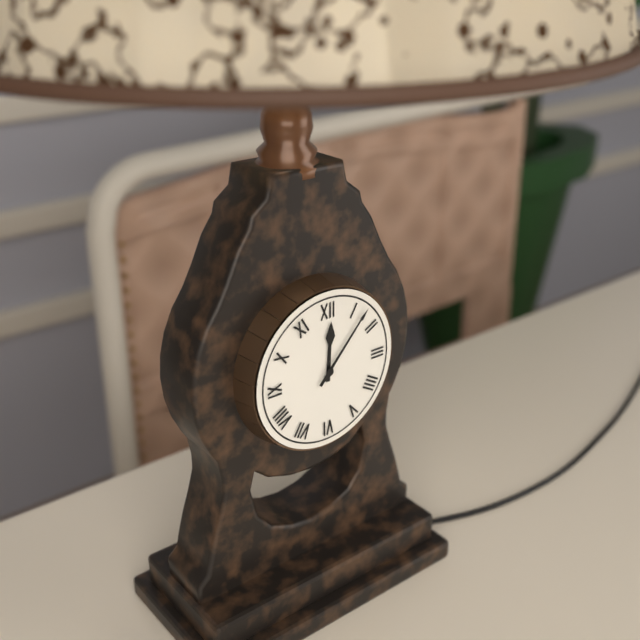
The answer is 12h07
